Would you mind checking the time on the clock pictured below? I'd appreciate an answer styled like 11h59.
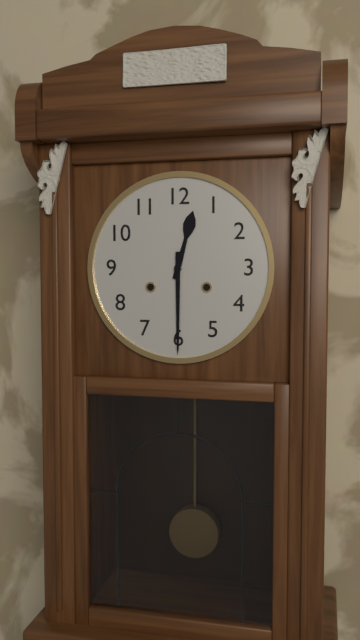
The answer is 12h30
